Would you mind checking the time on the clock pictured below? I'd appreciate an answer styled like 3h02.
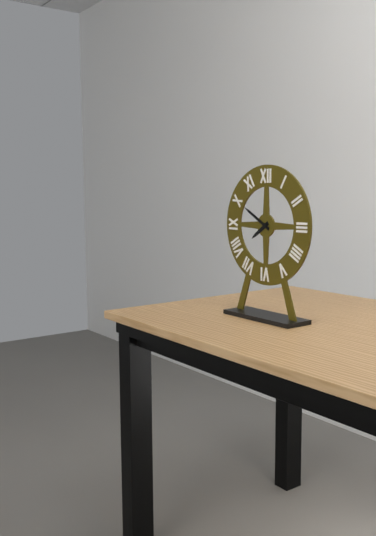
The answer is 7h50
